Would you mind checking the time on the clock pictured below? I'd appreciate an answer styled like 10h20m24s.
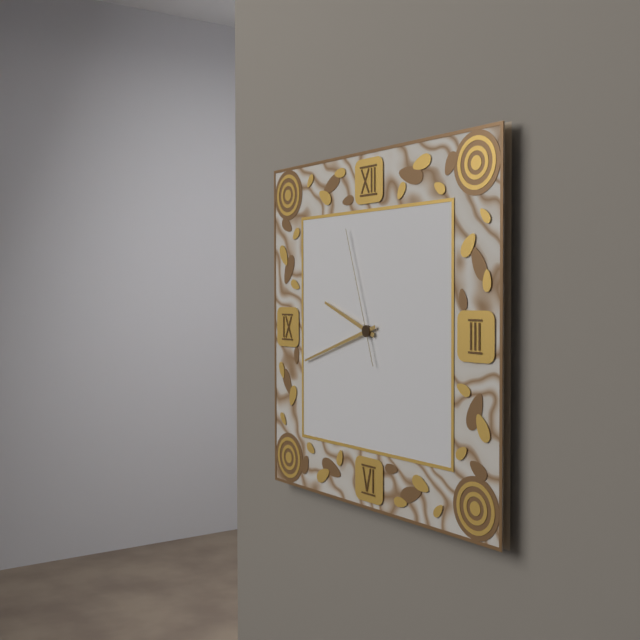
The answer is 9h42m57s
